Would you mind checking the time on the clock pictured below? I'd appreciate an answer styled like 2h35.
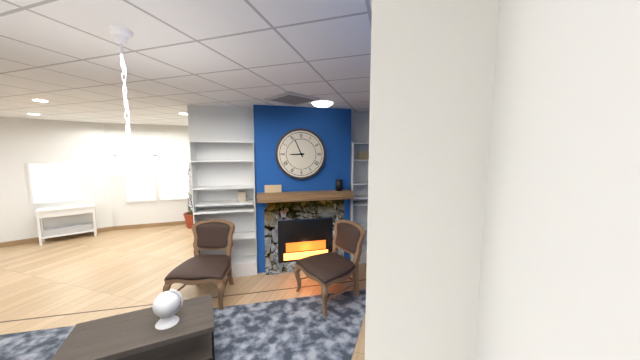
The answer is 8h56
